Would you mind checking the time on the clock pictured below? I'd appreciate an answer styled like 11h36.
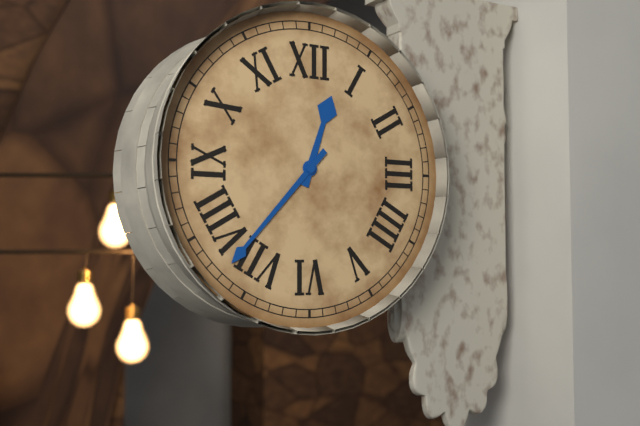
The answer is 12h37
